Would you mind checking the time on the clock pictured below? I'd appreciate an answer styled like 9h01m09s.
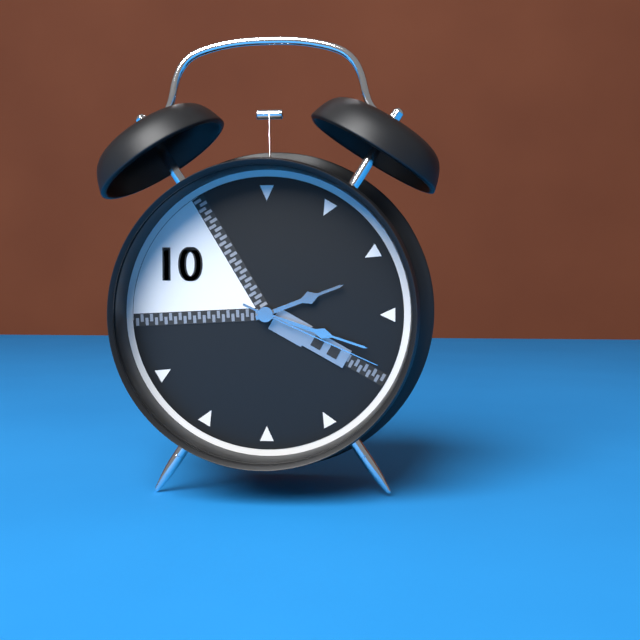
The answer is 2h18m19s
